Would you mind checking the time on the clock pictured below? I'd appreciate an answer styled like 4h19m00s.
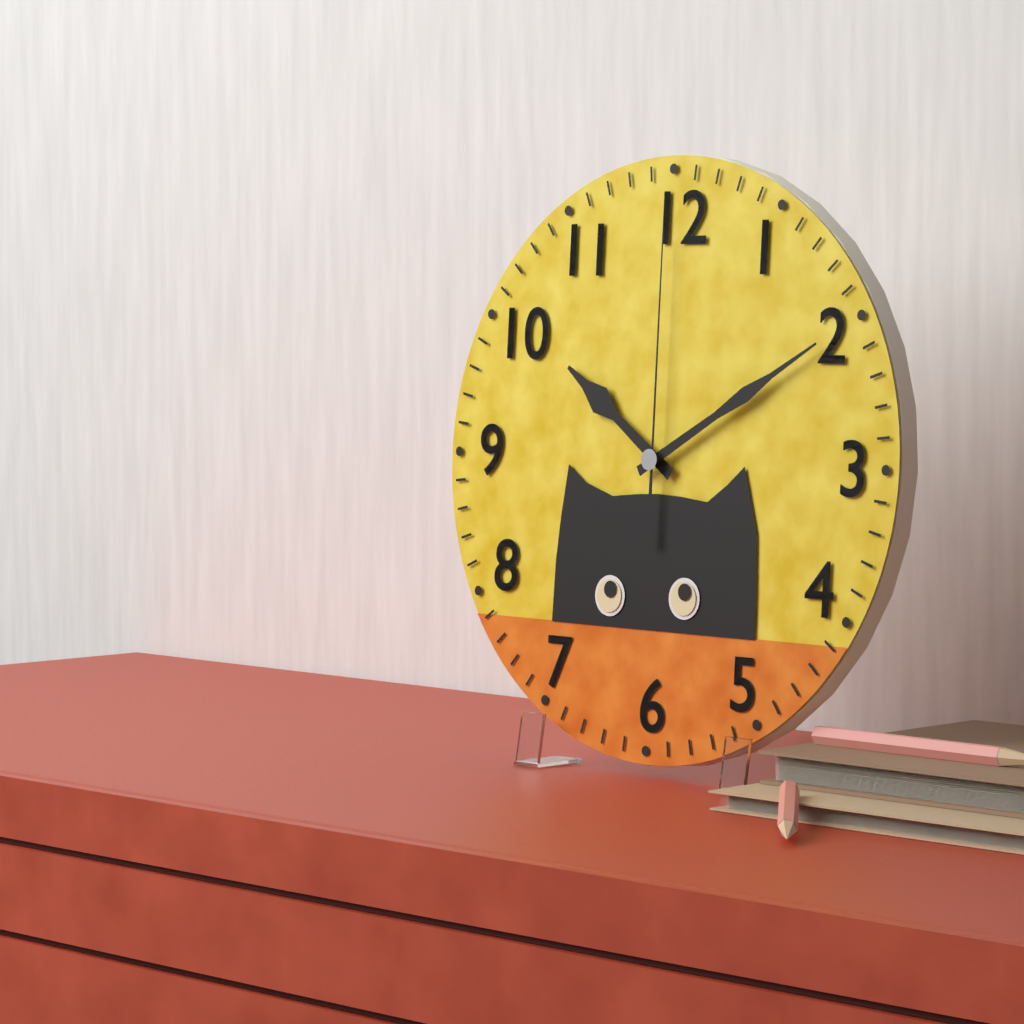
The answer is 10h10m00s
